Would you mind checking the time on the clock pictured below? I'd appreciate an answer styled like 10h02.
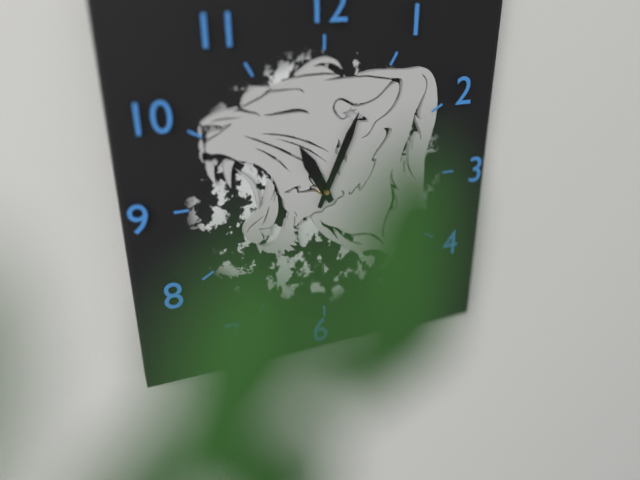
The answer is 11h04
